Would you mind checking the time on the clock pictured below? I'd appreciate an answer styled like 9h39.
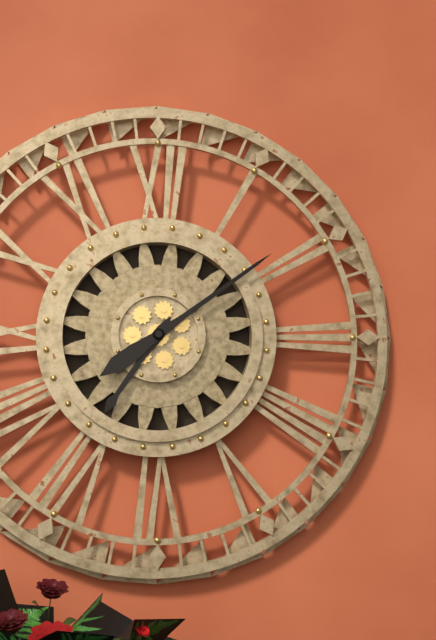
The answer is 7h09
